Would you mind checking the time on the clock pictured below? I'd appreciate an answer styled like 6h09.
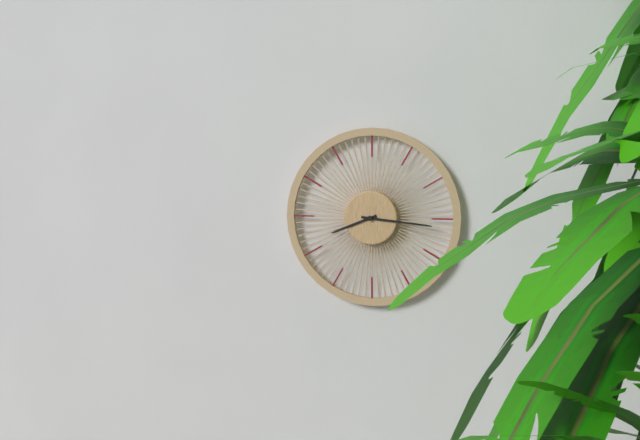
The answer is 8h16
